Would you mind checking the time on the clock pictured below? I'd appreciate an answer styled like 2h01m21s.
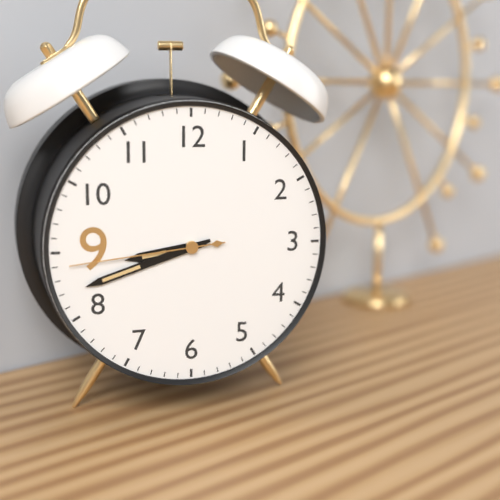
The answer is 8h42m44s
